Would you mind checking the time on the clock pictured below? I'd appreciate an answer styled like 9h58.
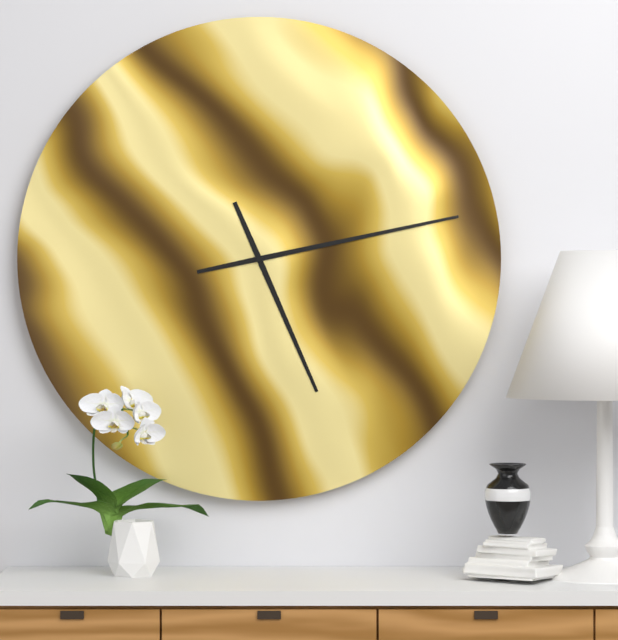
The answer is 5h13
